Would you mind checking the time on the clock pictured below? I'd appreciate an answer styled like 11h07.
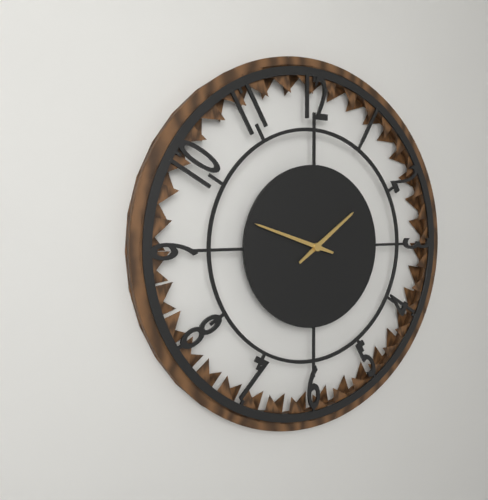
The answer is 1h48
